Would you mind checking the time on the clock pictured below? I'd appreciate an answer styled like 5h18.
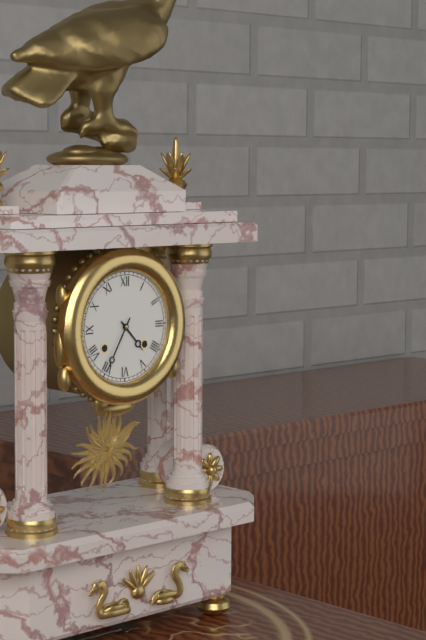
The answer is 4h35
